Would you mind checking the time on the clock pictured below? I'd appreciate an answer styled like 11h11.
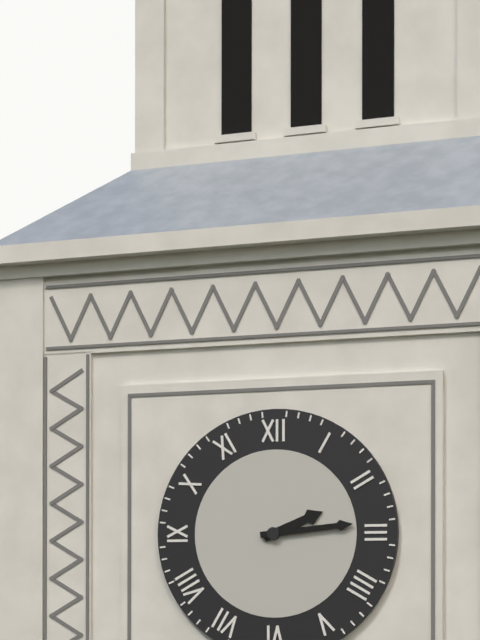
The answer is 2h14
